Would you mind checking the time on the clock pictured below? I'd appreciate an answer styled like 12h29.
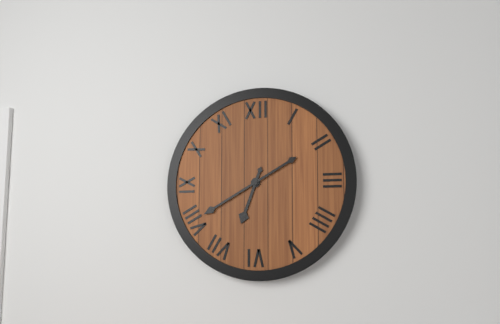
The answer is 6h40
